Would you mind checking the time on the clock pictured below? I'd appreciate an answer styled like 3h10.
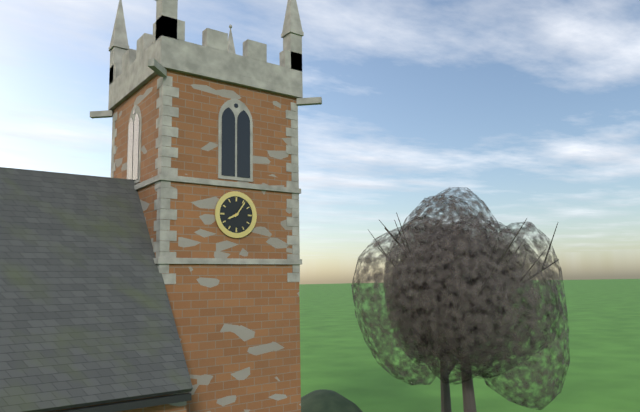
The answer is 8h06
